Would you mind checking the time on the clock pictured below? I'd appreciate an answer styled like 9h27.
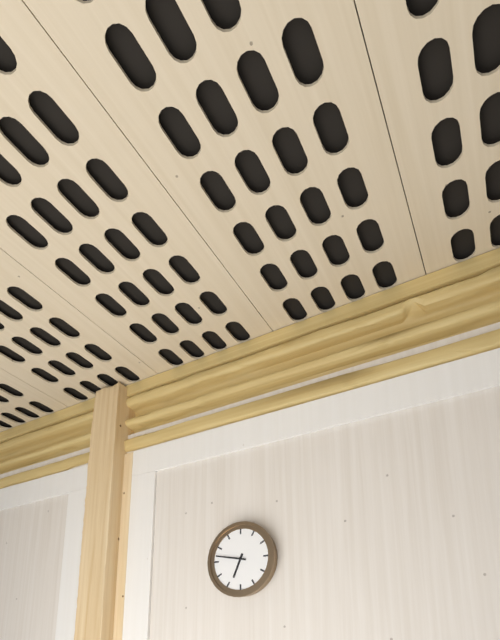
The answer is 6h47
